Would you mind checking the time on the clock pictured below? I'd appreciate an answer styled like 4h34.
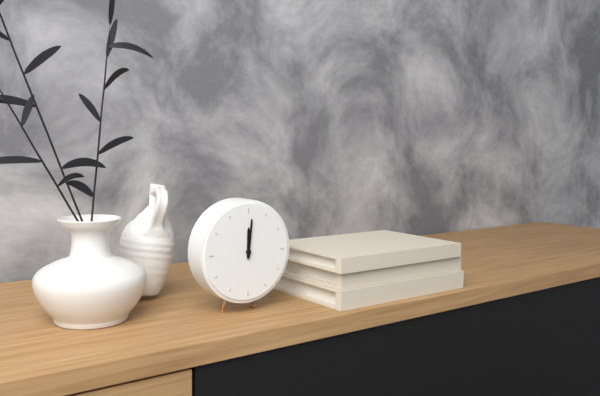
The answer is 12h01
